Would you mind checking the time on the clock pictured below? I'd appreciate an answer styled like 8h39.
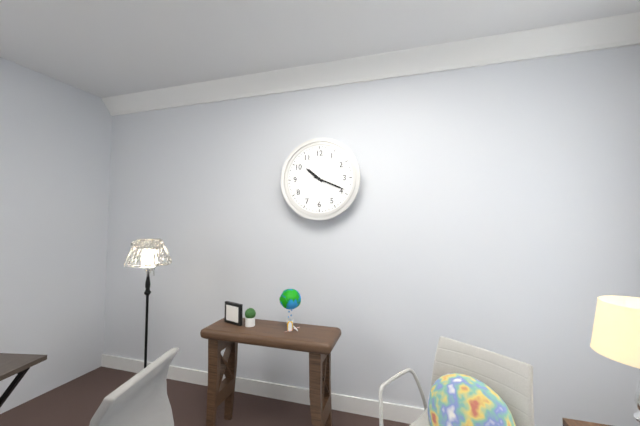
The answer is 10h19
